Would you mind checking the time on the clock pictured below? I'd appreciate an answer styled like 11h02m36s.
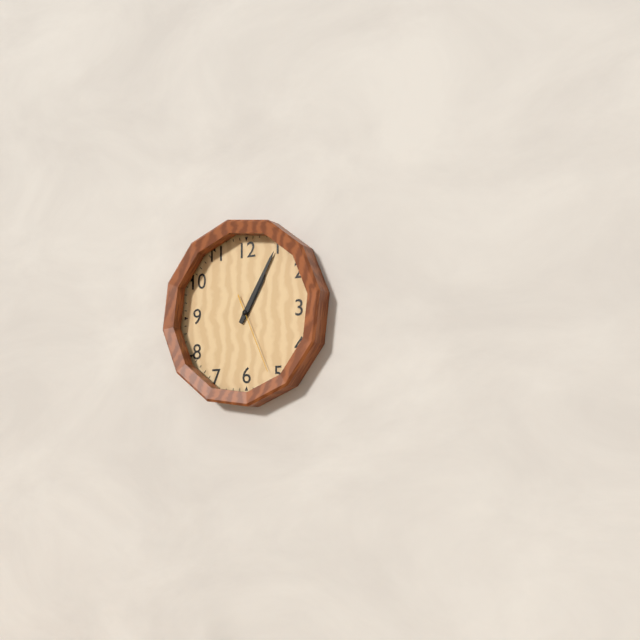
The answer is 1h05m26s
